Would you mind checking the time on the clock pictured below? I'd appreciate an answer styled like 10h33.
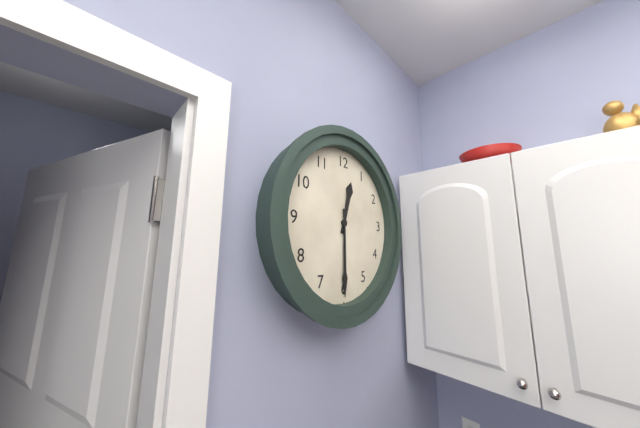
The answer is 12h30
